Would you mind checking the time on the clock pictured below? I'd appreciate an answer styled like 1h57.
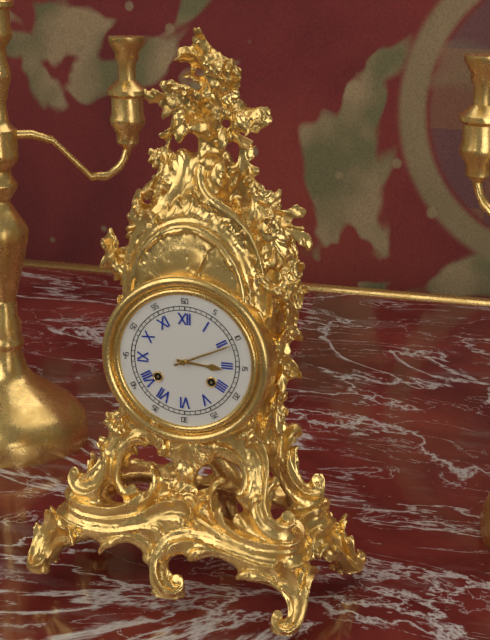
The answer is 3h11
